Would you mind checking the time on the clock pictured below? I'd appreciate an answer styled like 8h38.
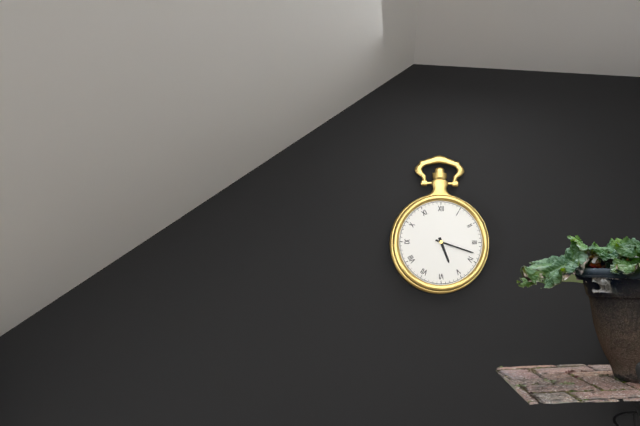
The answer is 5h18
